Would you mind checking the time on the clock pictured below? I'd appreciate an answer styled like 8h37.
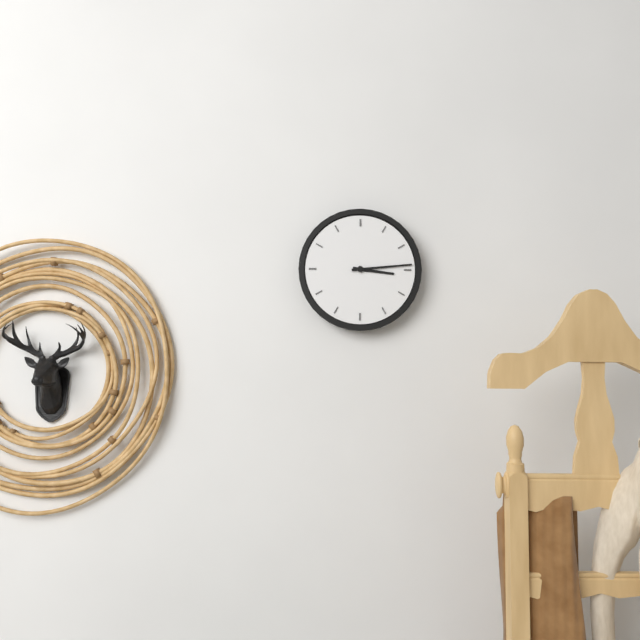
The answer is 3h14
